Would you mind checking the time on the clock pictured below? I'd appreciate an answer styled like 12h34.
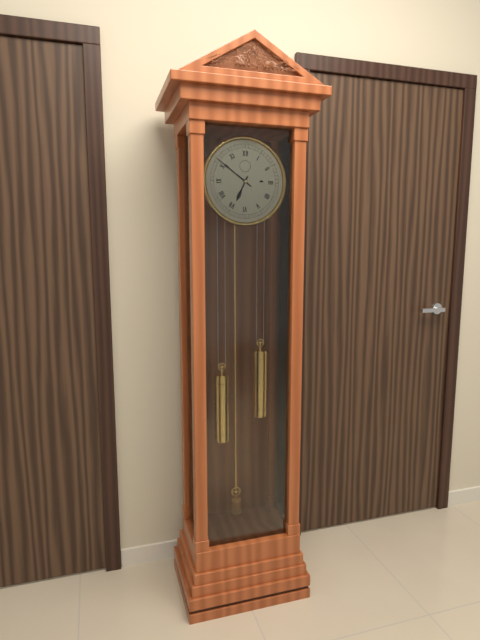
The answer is 6h51
